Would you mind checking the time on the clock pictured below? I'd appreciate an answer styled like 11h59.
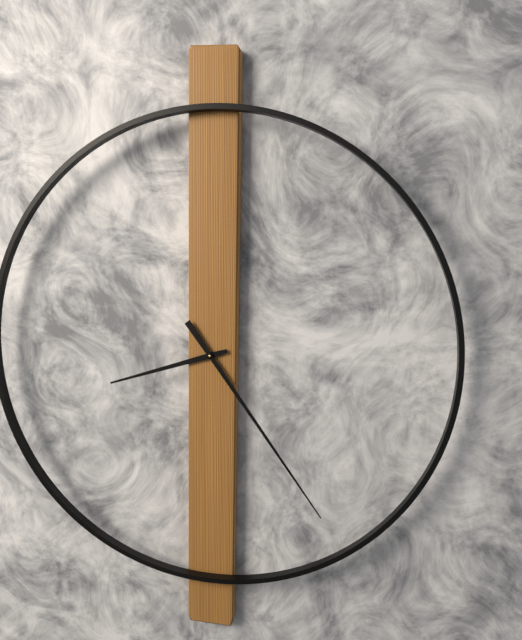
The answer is 8h24
